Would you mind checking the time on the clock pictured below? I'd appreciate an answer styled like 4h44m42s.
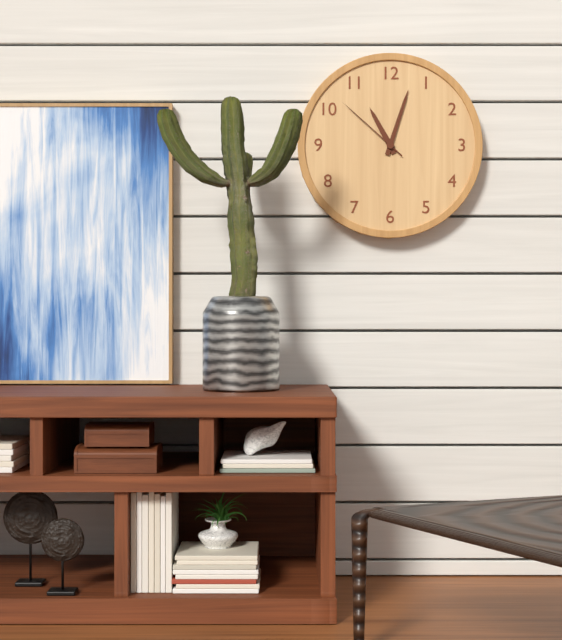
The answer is 11h03m52s
